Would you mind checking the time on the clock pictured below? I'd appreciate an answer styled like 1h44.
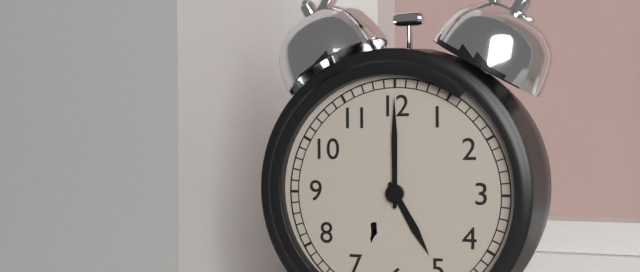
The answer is 5h00
